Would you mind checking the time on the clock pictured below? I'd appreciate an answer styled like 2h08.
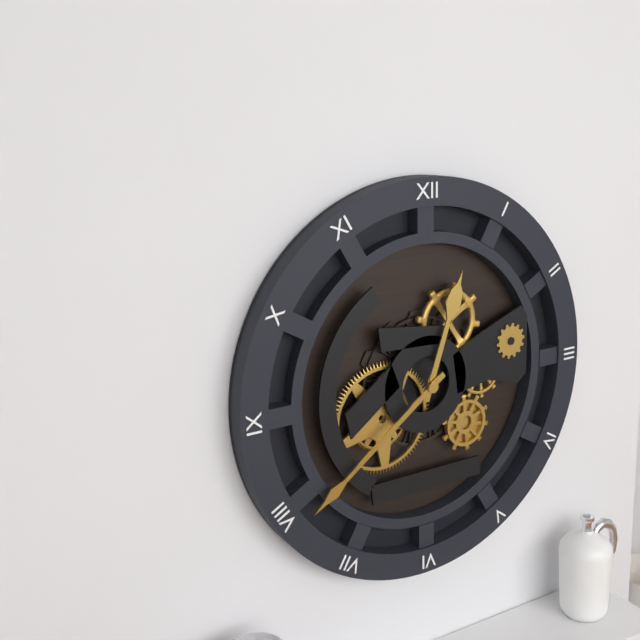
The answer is 12h39
